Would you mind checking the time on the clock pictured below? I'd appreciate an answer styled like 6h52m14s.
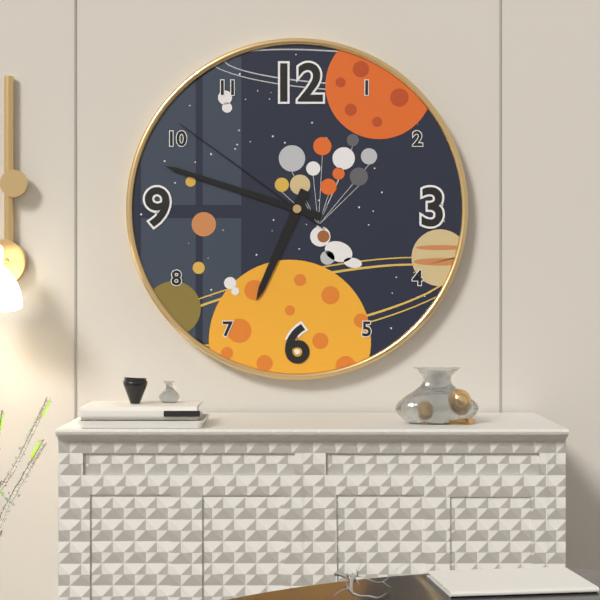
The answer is 6h48m51s
